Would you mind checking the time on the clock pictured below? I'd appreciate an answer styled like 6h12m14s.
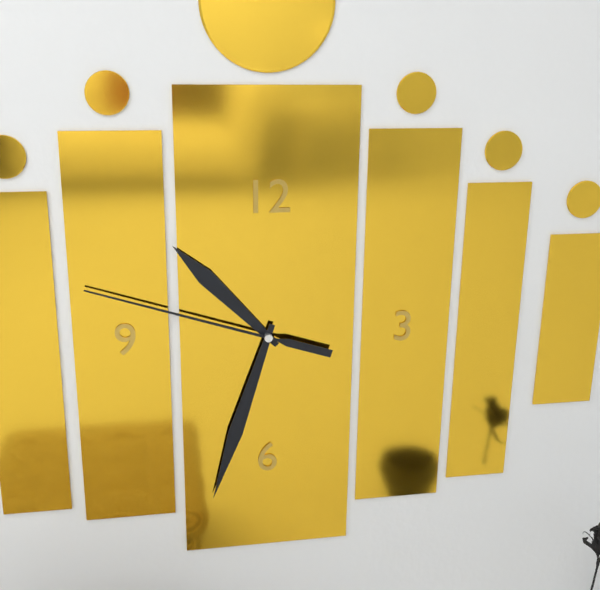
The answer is 10h33m48s
